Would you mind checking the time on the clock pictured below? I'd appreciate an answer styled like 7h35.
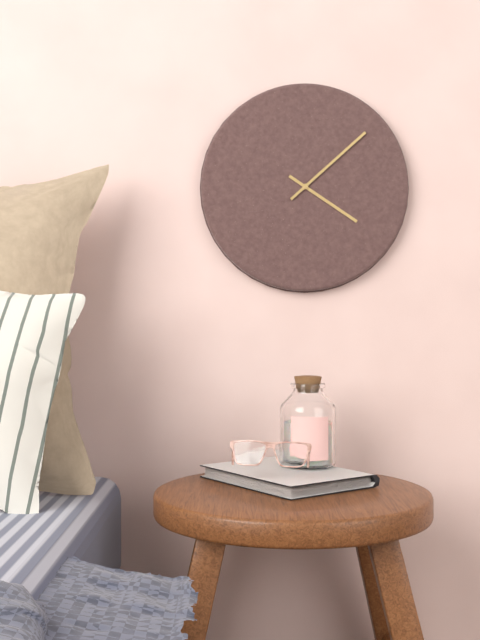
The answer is 4h08
